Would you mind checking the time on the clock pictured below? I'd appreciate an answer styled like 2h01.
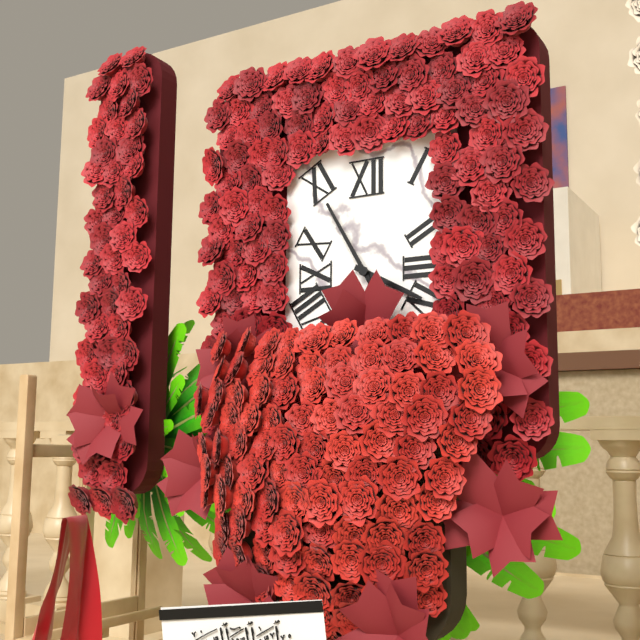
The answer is 3h55
